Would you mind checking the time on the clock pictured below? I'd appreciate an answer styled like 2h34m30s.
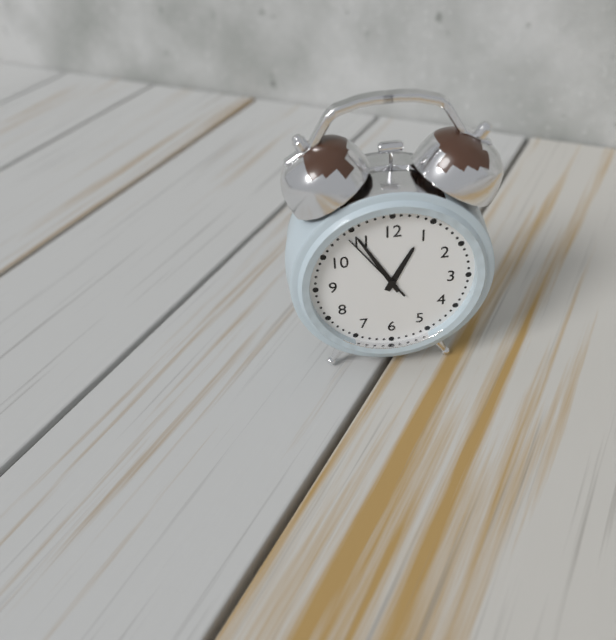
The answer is 12h55m54s
